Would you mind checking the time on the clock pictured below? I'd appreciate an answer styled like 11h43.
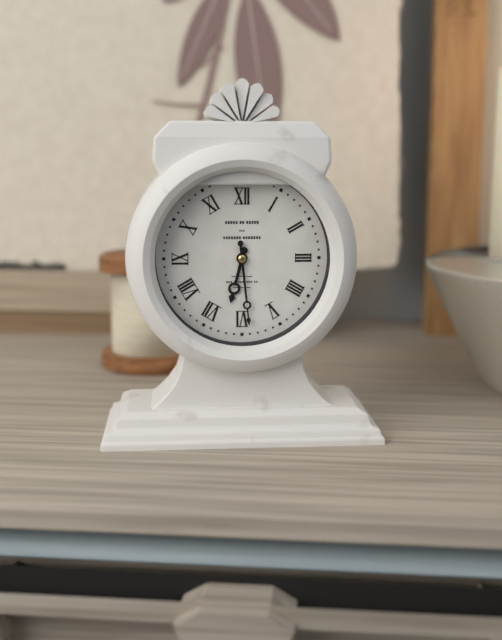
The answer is 6h29
